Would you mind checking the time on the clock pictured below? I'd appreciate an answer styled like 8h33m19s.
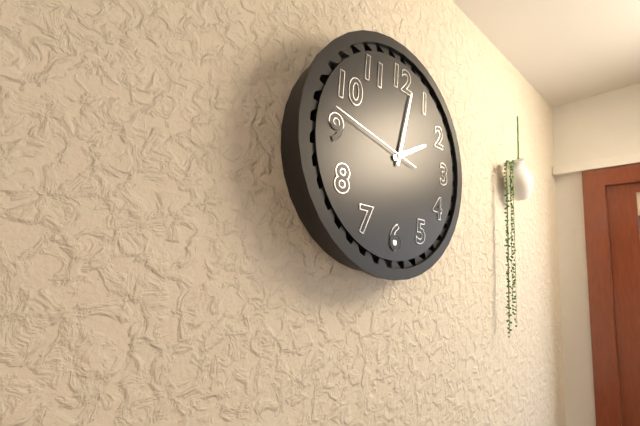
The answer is 2h02m47s
